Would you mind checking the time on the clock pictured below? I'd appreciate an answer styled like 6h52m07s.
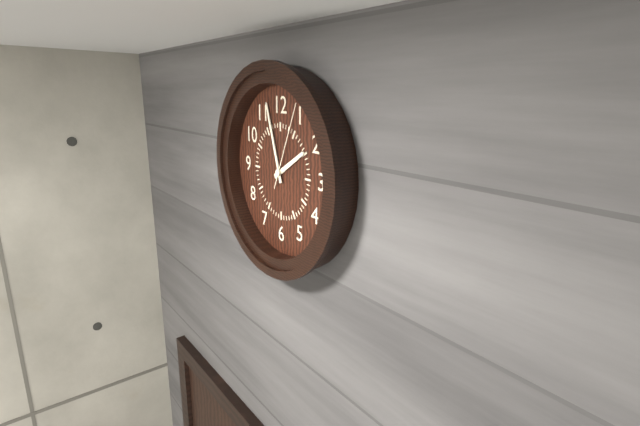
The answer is 1h57m04s
